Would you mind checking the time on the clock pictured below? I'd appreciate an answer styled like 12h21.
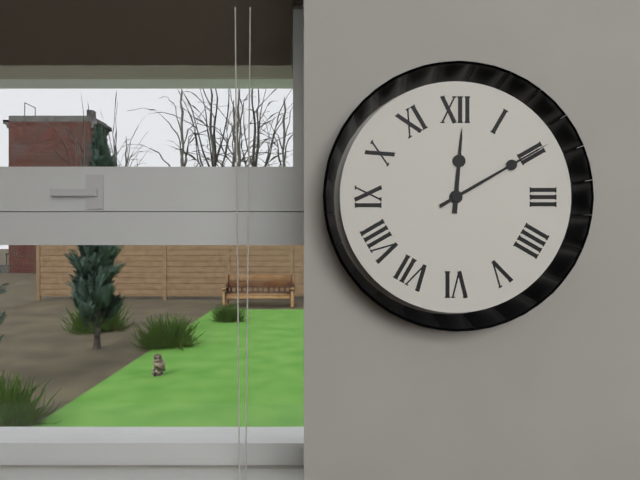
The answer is 12h10
